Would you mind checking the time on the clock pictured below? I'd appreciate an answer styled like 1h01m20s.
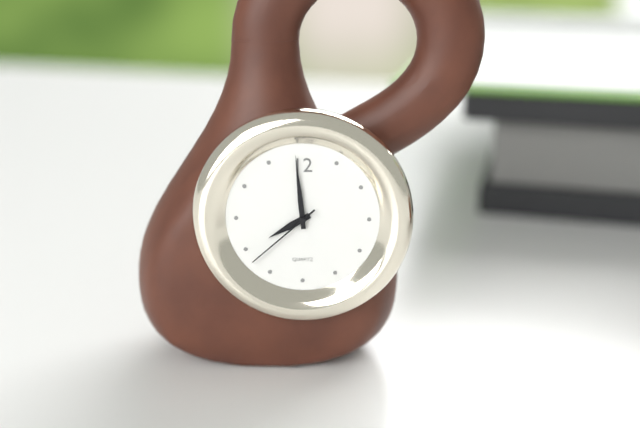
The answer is 7h59m38s
